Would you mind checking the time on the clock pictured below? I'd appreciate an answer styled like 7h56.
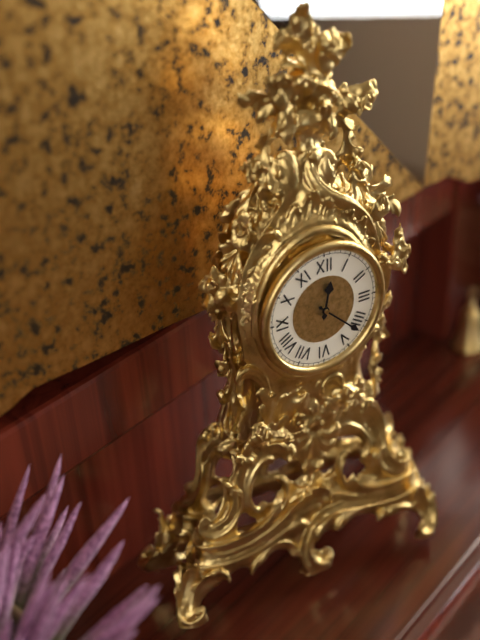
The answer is 12h22
